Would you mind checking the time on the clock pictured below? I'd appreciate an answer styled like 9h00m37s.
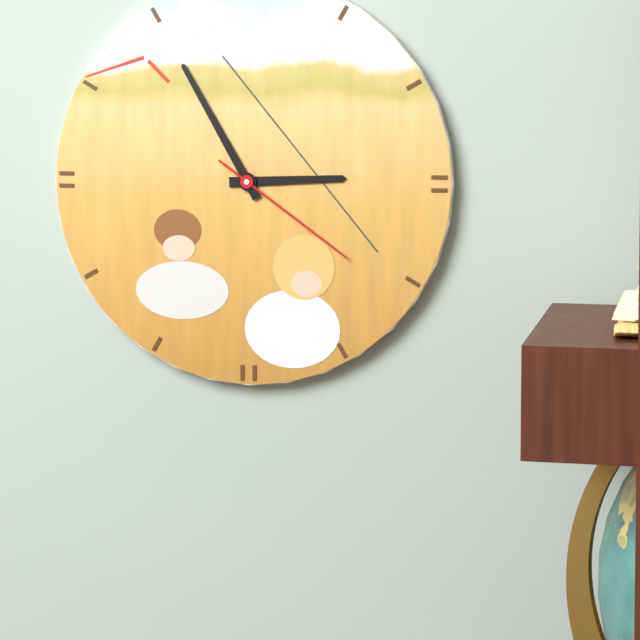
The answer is 2h55m21s
